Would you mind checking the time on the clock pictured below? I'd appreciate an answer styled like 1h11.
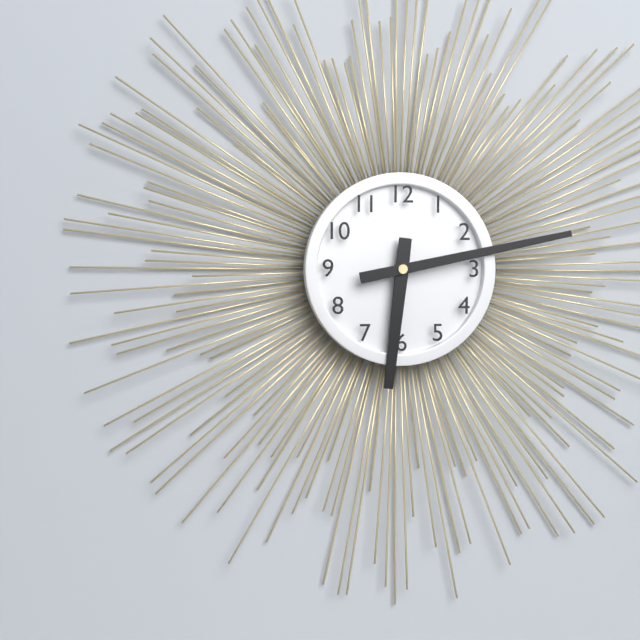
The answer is 6h13
